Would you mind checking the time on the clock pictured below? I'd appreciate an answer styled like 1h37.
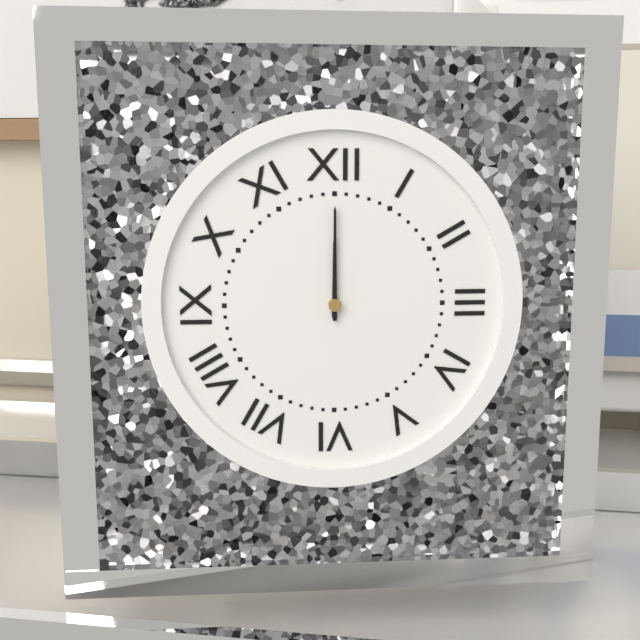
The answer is 12h00
